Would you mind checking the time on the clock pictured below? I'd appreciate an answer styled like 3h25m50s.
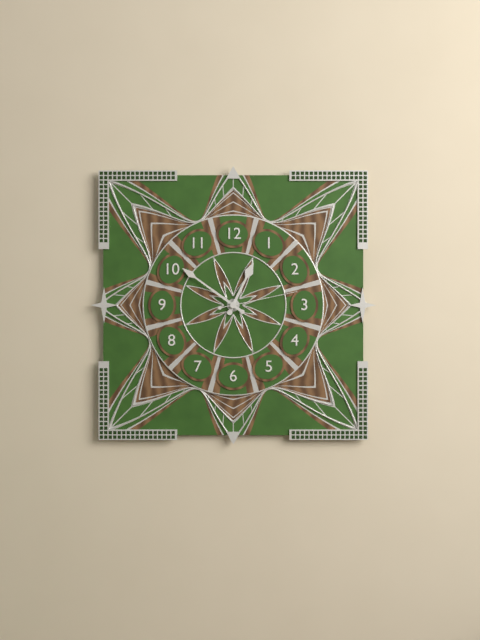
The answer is 12h51m13s
